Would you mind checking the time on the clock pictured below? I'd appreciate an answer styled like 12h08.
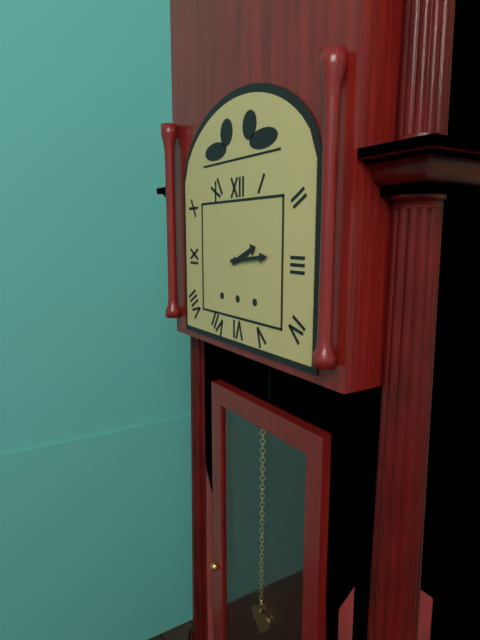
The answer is 2h14
